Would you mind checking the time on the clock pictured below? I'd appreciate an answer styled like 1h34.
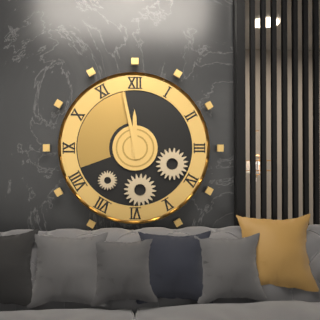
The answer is 11h58
